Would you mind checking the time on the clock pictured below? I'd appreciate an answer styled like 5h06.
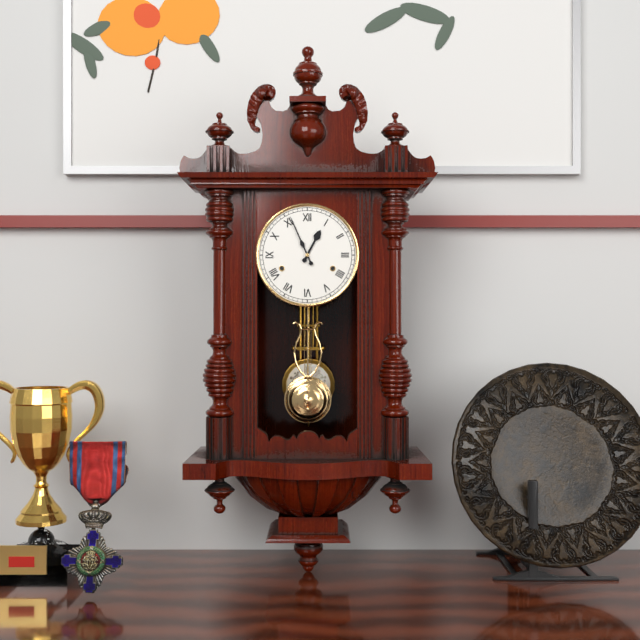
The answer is 12h56
